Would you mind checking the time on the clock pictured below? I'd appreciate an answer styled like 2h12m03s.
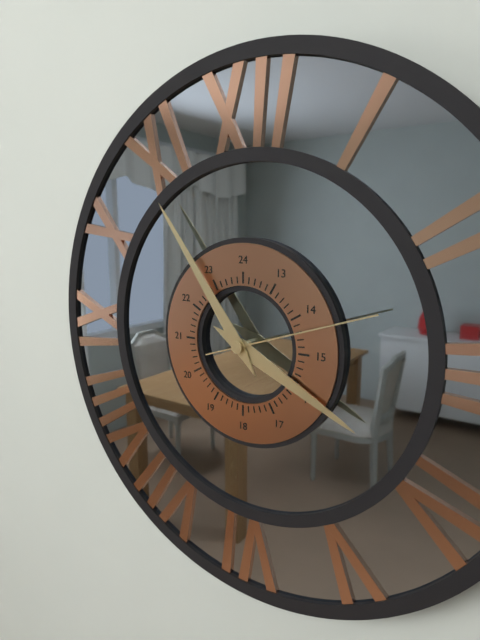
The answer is 3h54m12s
